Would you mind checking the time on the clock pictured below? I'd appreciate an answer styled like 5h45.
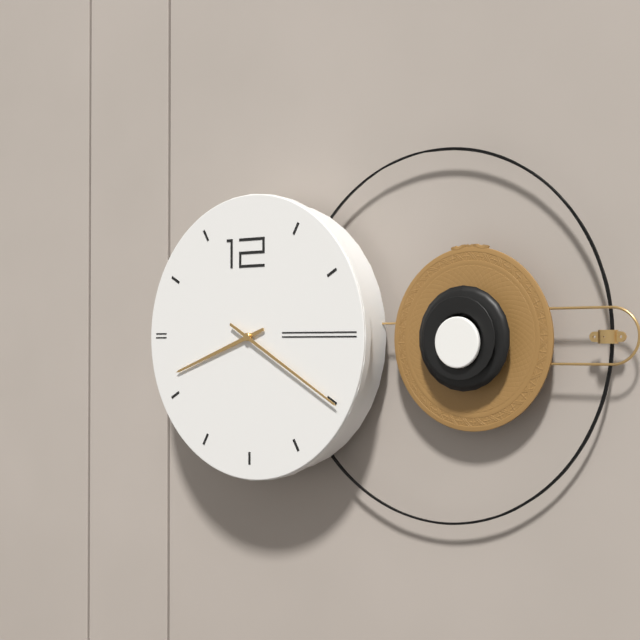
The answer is 8h20
